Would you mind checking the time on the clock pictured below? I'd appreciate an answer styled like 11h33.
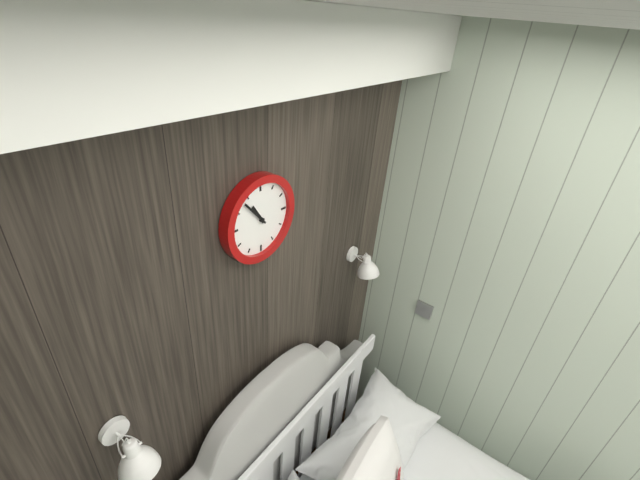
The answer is 10h53
